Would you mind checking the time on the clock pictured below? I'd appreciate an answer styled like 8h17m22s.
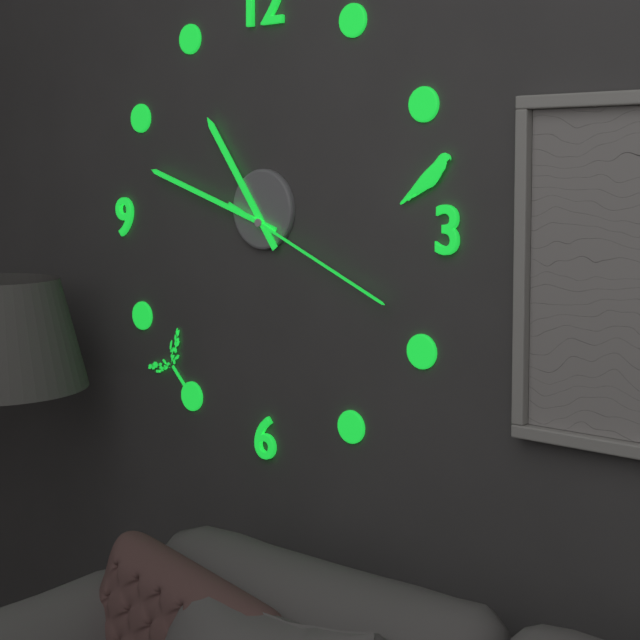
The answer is 10h48m19s
